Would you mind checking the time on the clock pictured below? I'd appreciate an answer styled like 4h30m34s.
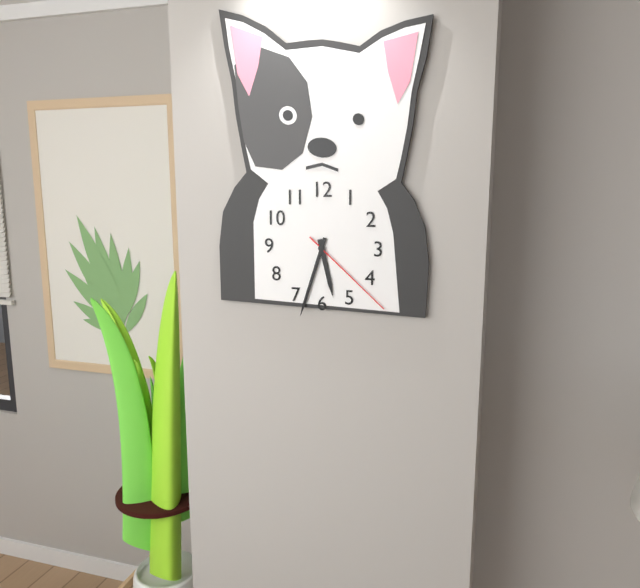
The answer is 5h33m22s
